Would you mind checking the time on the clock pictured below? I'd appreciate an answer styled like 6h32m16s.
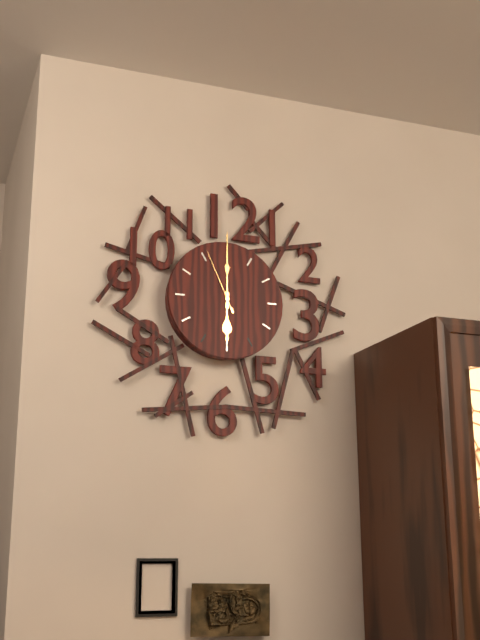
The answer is 6h00m56s
